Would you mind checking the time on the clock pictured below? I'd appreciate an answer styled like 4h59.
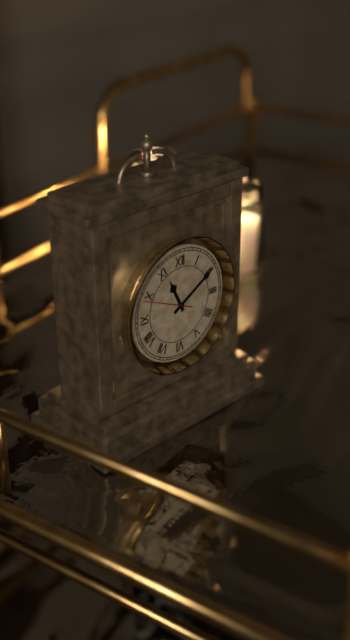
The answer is 11h10
